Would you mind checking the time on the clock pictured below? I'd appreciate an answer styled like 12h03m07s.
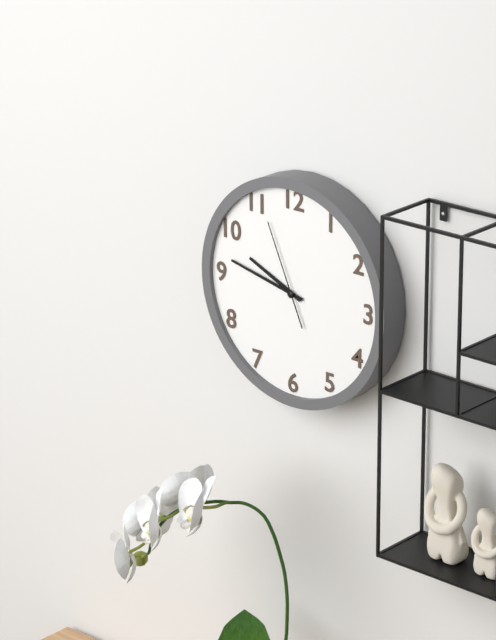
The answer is 9h47m56s
